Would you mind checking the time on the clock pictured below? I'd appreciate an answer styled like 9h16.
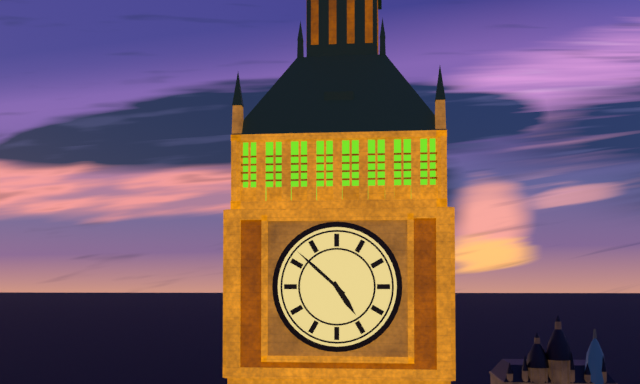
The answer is 4h52
